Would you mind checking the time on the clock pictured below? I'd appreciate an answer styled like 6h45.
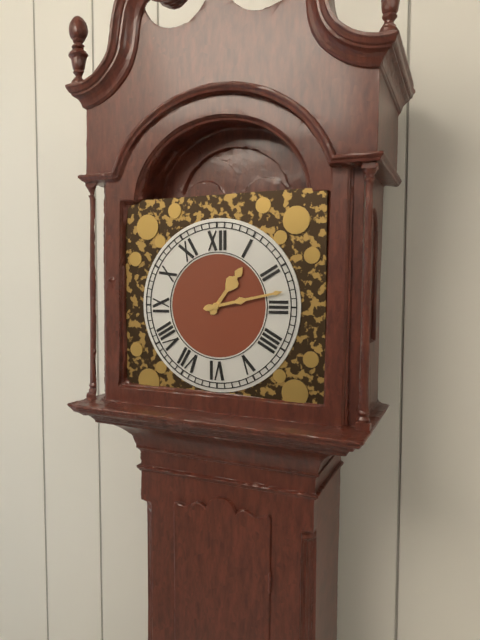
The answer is 1h13
